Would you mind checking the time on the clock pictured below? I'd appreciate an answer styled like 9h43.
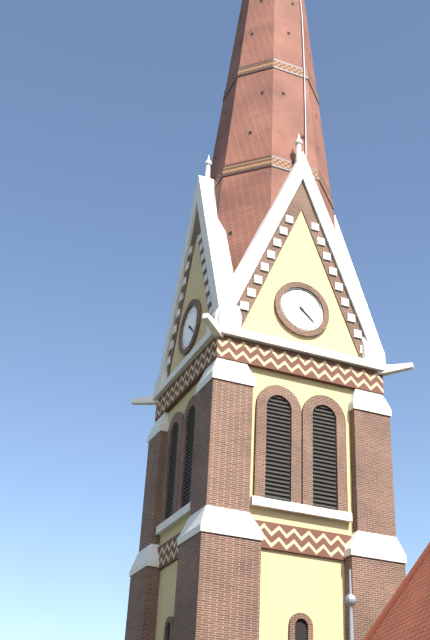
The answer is 4h22
